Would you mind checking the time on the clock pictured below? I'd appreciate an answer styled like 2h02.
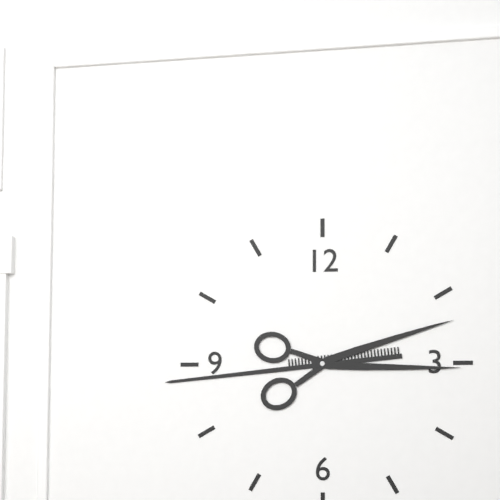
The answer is 2h44
